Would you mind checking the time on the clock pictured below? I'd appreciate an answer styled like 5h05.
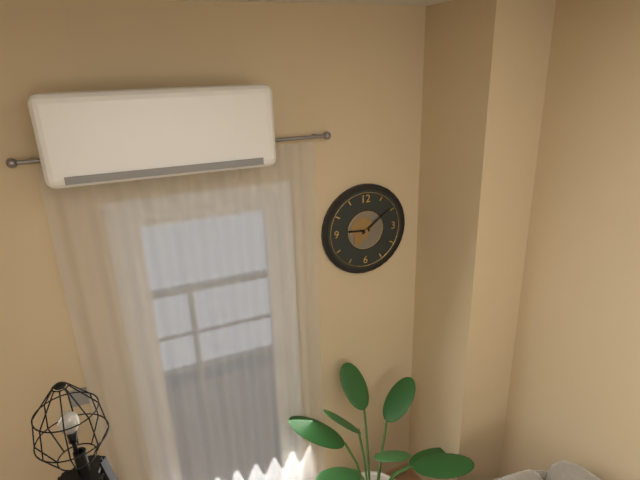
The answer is 9h09
